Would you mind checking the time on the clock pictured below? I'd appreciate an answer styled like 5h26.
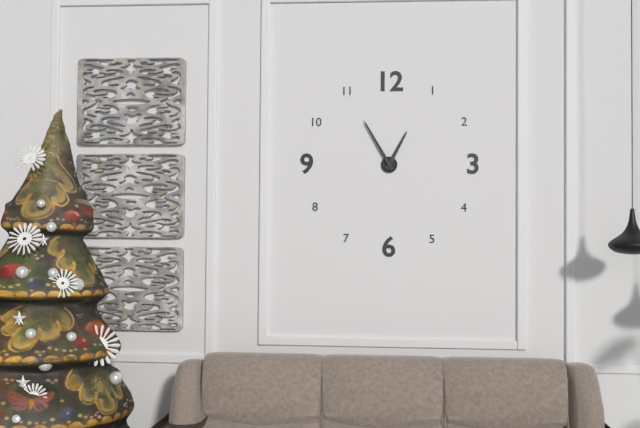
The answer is 12h55
